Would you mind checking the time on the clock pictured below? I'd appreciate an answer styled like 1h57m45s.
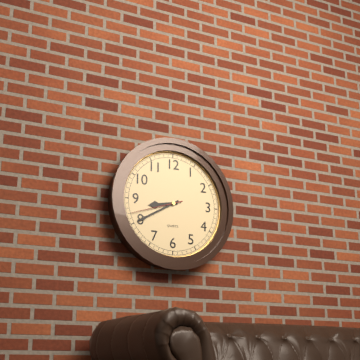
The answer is 8h40m42s
